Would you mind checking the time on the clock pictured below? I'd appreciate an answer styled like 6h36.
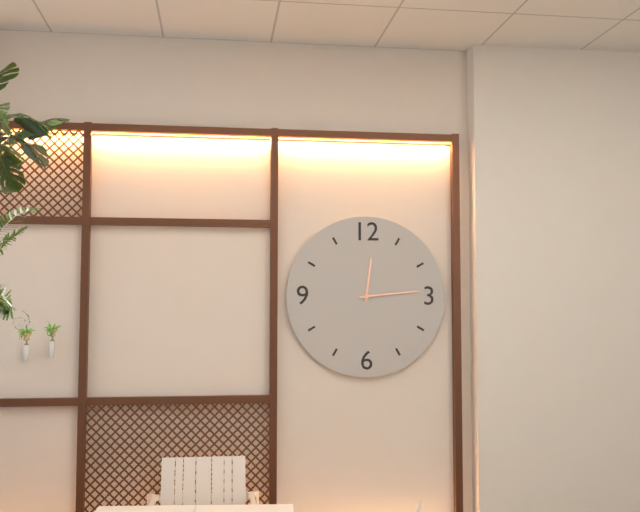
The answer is 12h14
